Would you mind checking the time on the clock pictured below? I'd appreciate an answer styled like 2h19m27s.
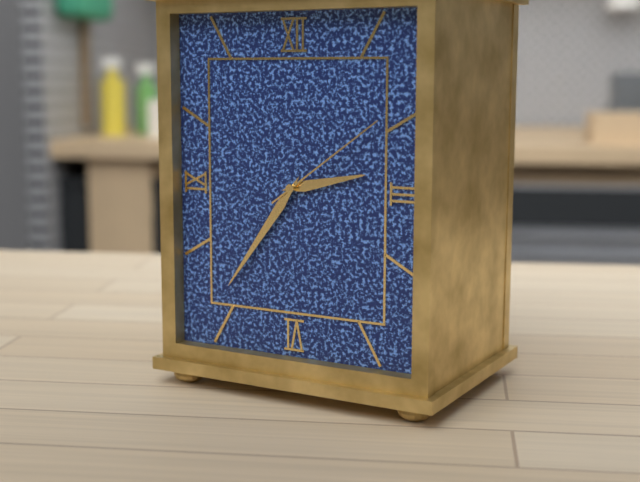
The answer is 2h36m09s
